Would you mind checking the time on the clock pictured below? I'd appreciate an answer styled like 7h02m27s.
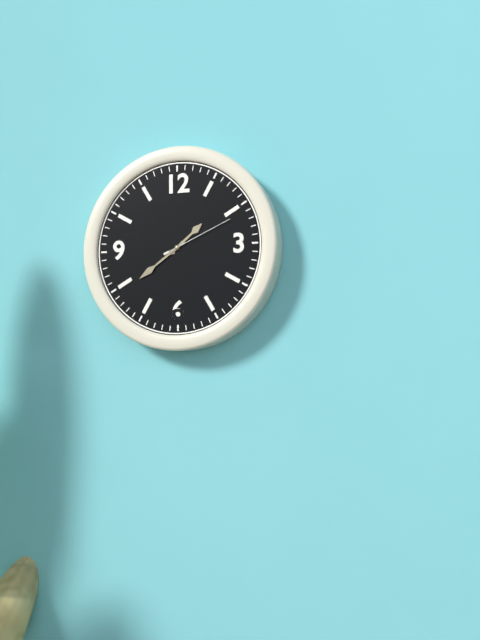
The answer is 1h39m11s
